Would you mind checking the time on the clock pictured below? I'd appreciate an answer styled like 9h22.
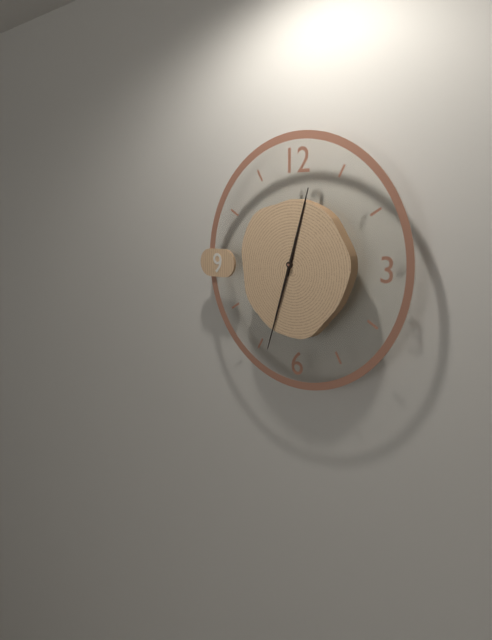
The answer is 12h33
